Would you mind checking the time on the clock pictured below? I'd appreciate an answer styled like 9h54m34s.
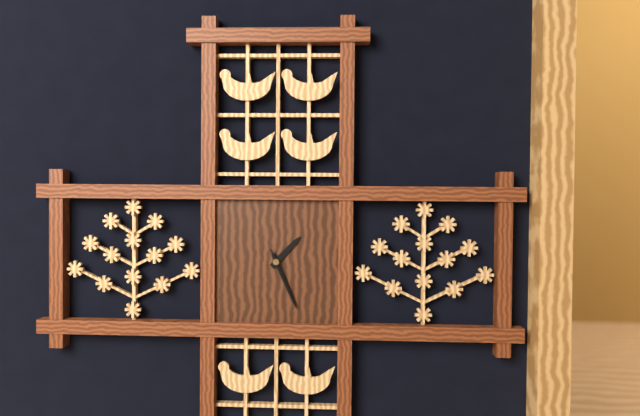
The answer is 1h26m26s
